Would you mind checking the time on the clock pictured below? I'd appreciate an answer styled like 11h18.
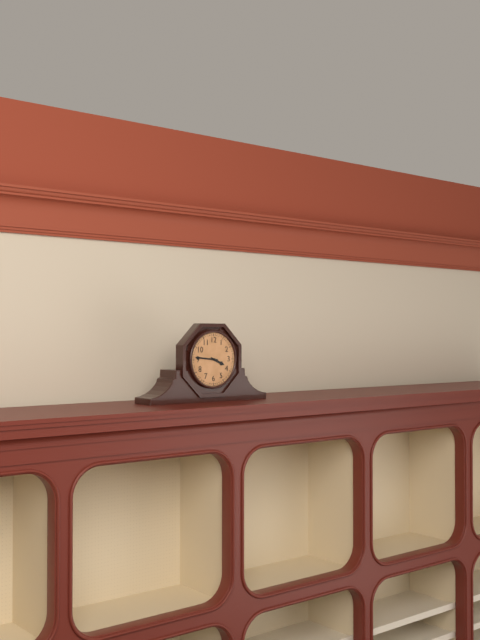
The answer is 3h46
